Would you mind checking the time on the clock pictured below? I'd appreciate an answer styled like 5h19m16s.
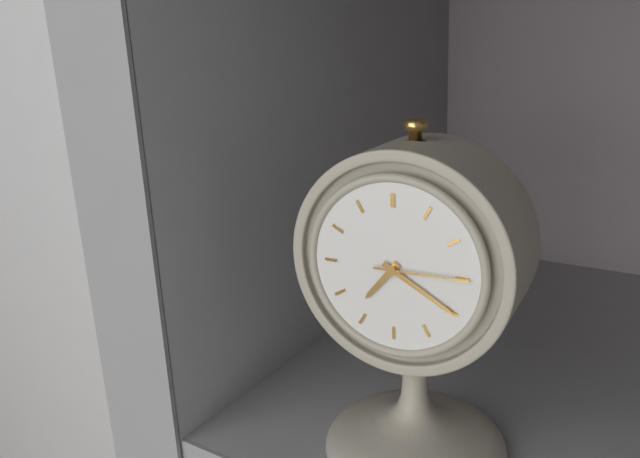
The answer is 7h20m15s
